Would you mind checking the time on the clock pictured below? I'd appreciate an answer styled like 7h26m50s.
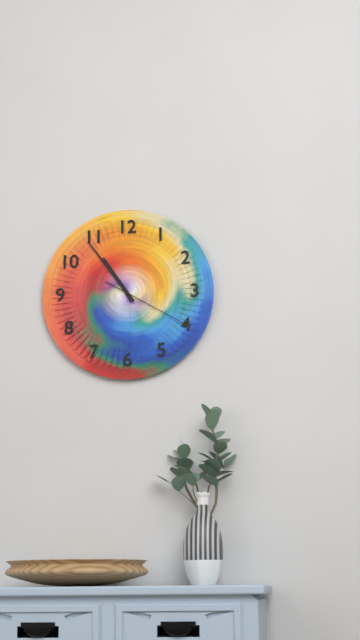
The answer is 10h54m20s
